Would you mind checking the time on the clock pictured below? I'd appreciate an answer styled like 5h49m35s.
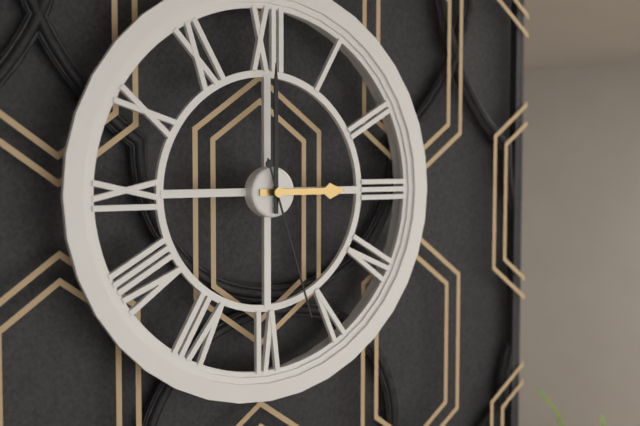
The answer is 3h00m27s
